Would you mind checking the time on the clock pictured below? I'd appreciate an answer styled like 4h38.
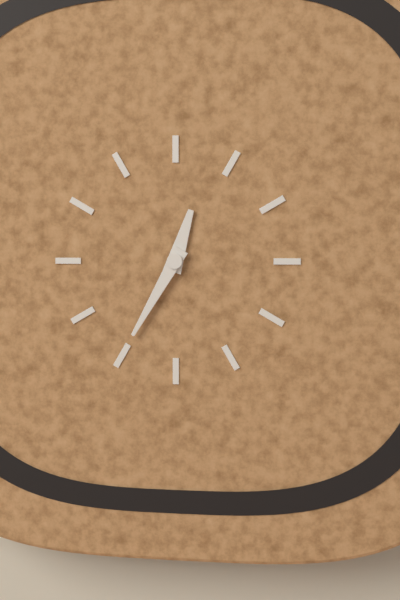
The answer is 12h35
